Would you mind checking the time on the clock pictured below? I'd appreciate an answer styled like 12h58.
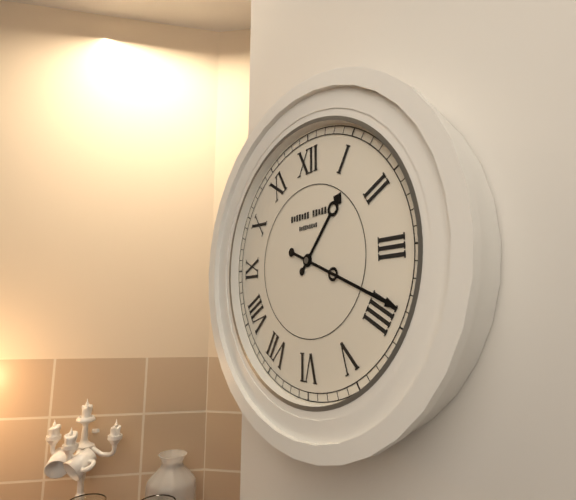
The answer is 1h19
